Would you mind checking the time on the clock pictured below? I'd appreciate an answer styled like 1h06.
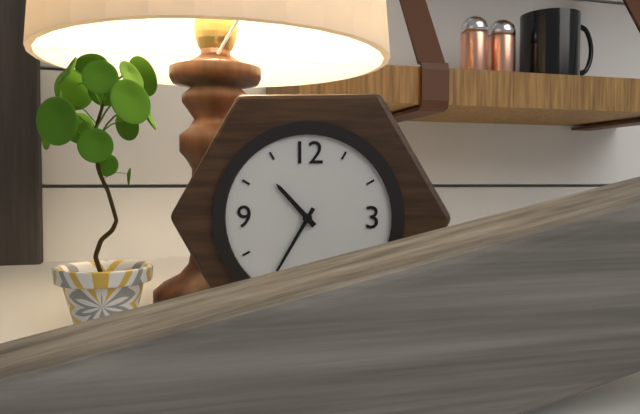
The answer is 10h35
